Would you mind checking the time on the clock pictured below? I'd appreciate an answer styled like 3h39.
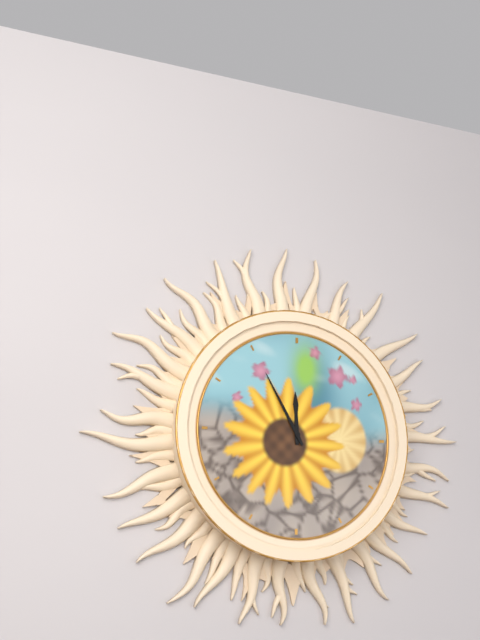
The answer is 11h55
